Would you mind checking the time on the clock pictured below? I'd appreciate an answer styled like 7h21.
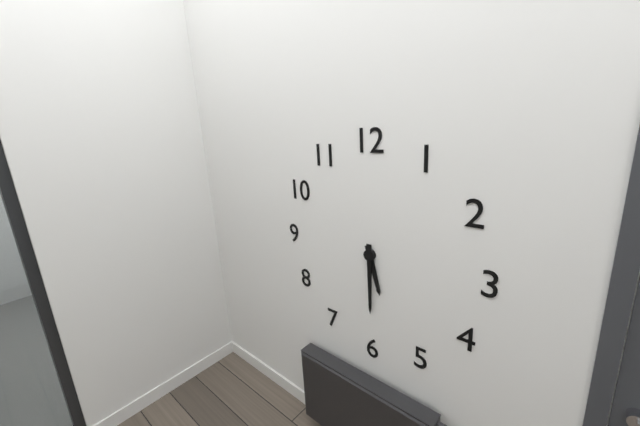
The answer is 5h30
